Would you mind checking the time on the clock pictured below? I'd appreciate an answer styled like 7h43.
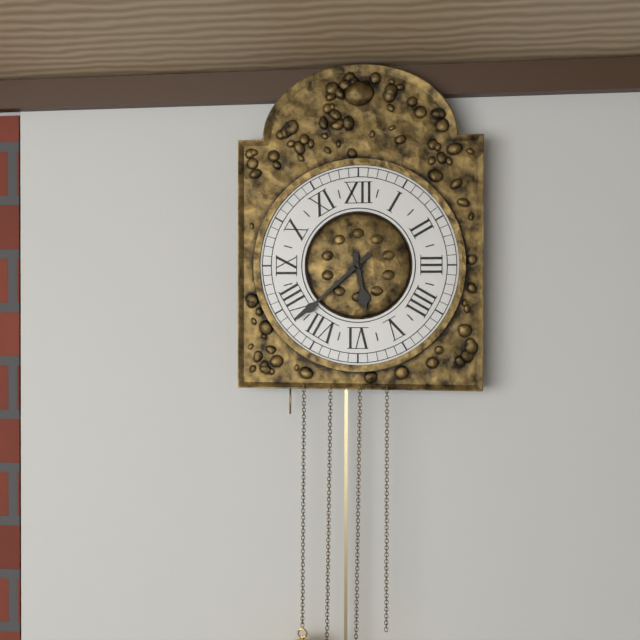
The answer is 5h38
